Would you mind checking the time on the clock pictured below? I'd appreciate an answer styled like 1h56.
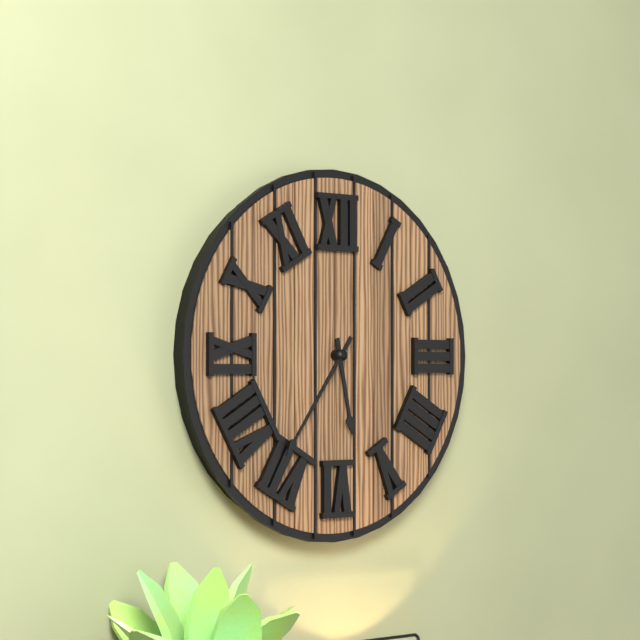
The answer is 5h36
